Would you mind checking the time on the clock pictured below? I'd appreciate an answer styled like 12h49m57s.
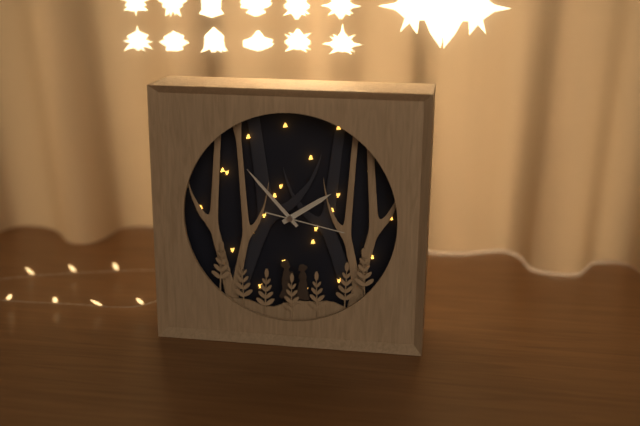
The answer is 1h53m17s
